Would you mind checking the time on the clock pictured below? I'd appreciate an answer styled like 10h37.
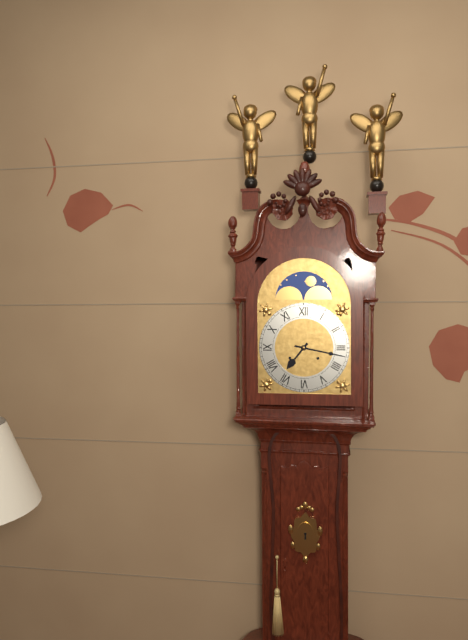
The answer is 7h17
